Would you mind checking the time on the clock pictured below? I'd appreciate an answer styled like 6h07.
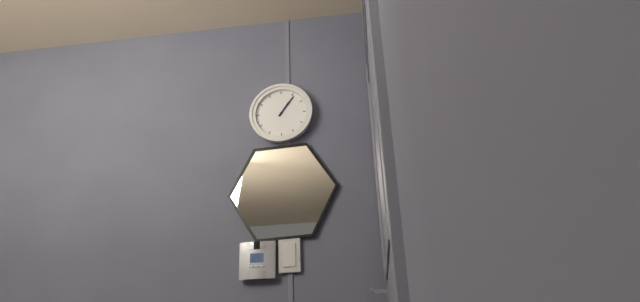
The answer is 1h06
